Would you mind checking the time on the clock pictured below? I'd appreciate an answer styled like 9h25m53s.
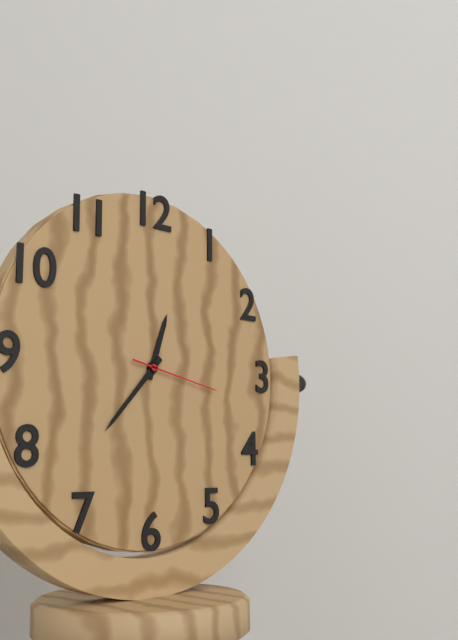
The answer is 12h37m17s
